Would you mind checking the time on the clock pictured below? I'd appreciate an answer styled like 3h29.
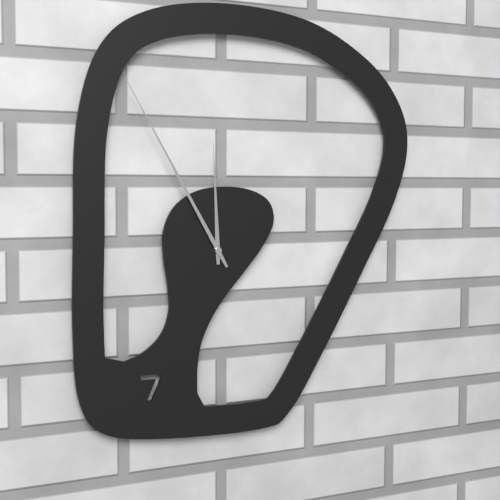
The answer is 11h55
